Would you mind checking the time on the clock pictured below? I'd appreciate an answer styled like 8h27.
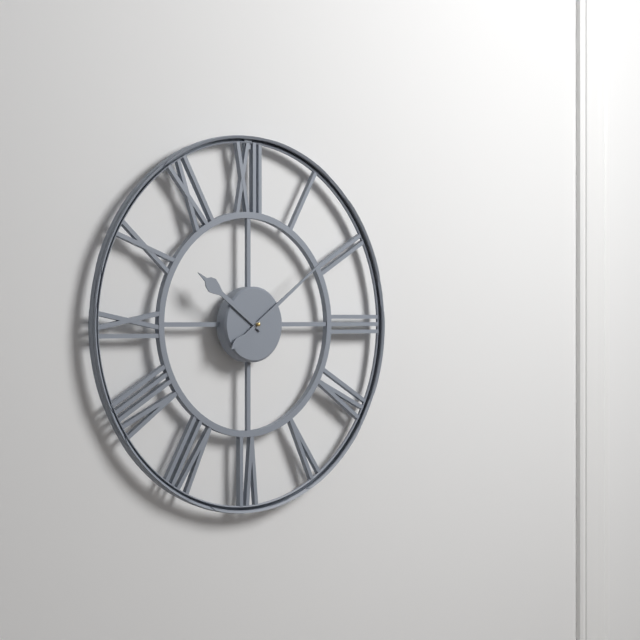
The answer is 10h09
